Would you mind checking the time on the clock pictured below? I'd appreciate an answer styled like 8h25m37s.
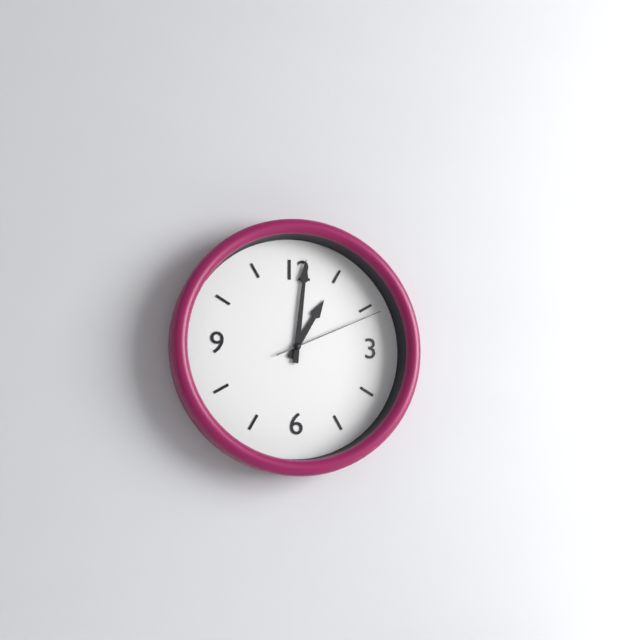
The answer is 1h01m11s
